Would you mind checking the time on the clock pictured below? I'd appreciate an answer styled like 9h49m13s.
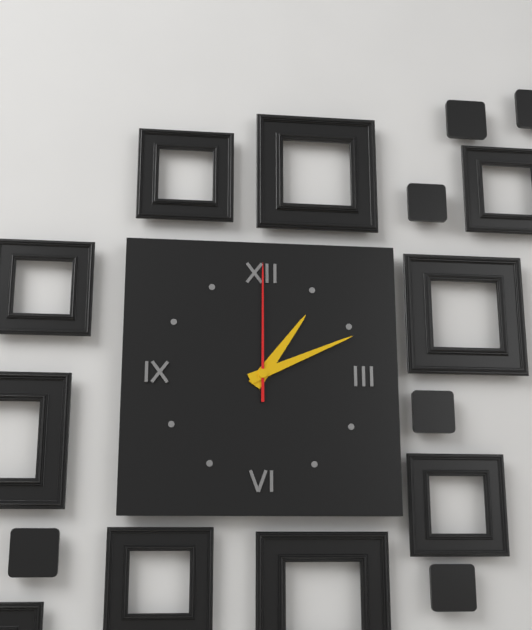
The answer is 1h11m00s
